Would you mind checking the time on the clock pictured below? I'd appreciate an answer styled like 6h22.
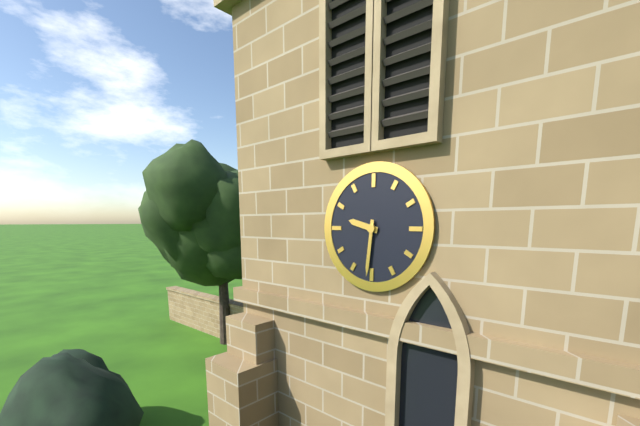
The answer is 9h31
